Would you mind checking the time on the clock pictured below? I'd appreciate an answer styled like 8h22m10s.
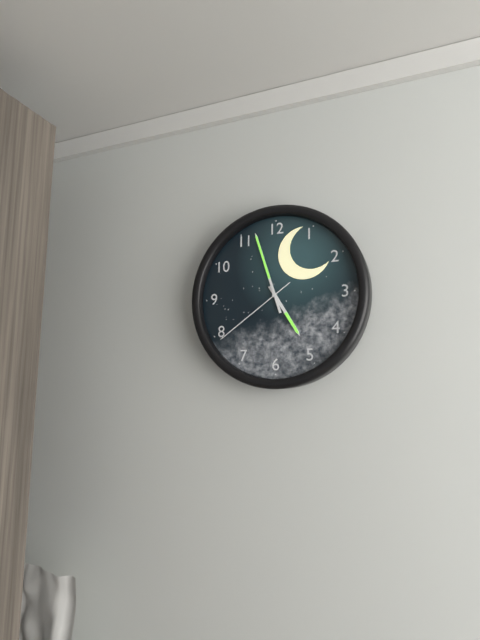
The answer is 4h57m39s
